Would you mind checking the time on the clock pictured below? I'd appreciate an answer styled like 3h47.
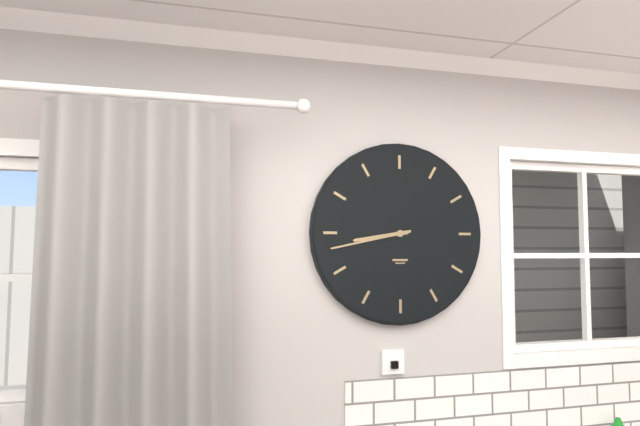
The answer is 8h43
